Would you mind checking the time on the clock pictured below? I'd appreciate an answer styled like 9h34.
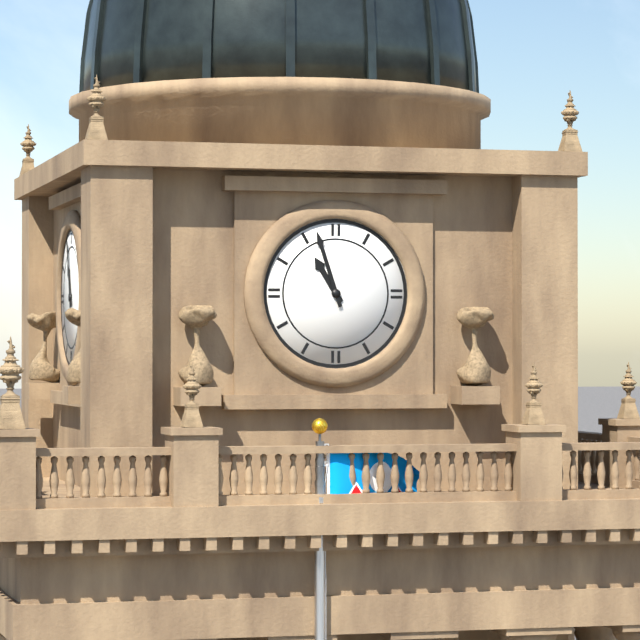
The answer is 10h57
